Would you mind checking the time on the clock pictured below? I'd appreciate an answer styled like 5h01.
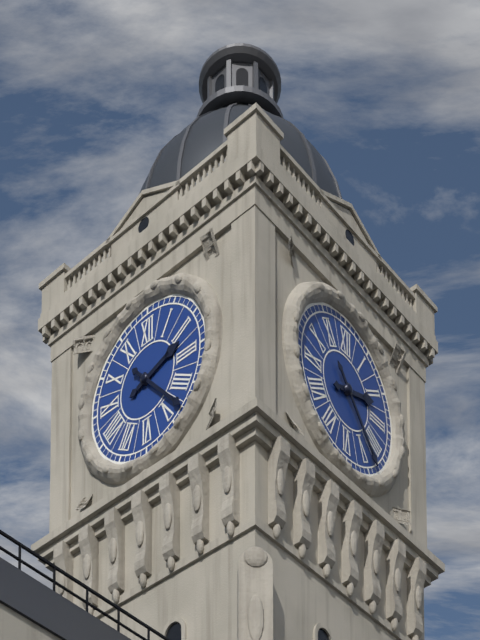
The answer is 2h23
